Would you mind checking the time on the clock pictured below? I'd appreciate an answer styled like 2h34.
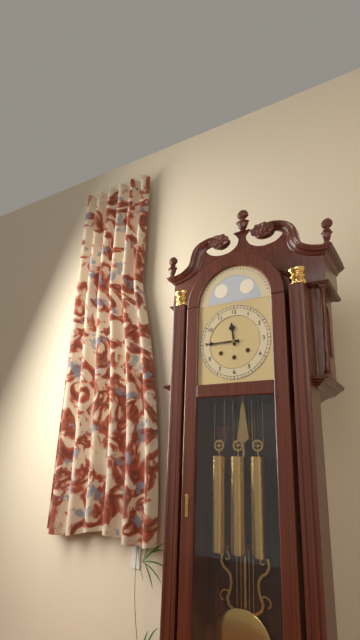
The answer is 11h45
